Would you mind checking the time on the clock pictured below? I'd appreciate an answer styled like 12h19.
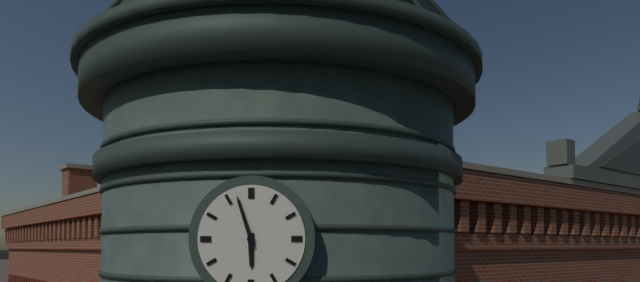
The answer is 5h57
